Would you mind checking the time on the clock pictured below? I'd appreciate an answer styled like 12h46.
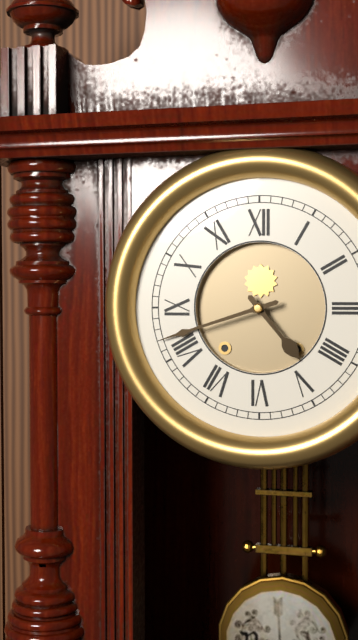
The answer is 4h42
